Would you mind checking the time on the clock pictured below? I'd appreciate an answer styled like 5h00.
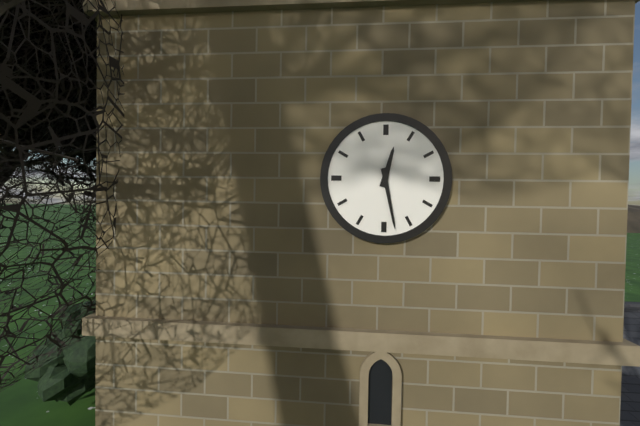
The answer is 12h28
